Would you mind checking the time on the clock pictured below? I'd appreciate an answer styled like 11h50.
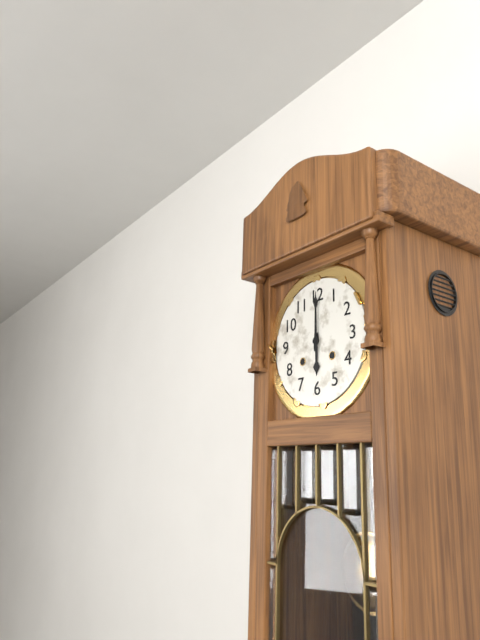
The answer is 6h00
